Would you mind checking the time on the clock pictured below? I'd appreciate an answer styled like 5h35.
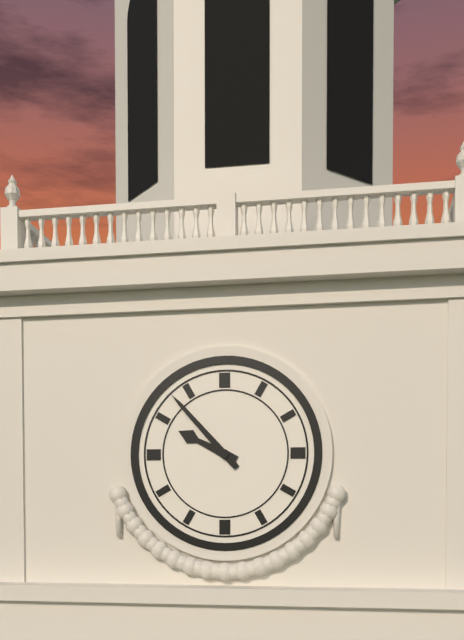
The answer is 9h53
